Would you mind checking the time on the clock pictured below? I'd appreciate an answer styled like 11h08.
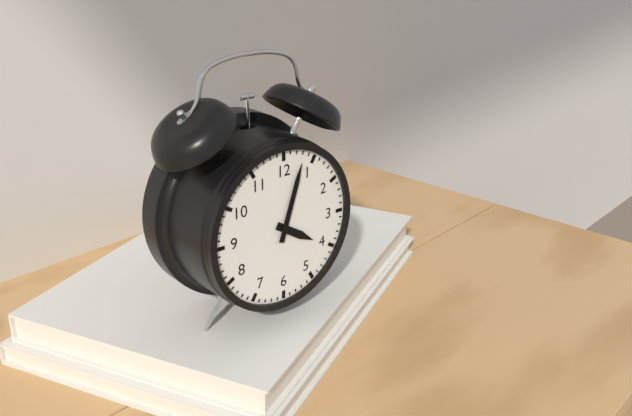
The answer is 4h03
